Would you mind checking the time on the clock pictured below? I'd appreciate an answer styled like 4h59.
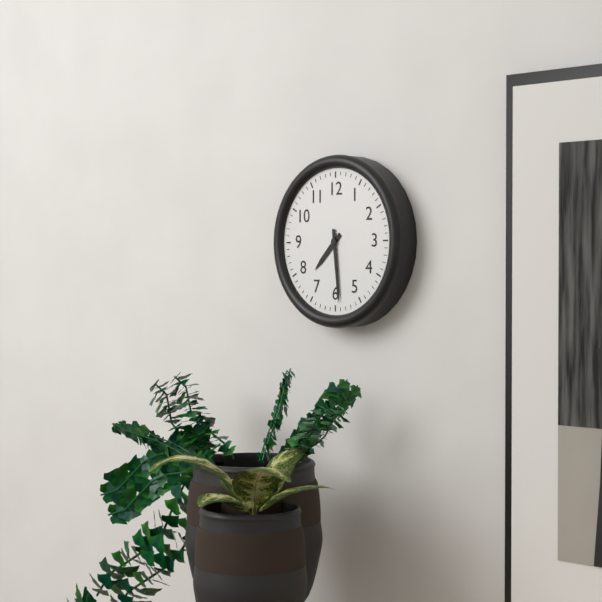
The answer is 7h29
